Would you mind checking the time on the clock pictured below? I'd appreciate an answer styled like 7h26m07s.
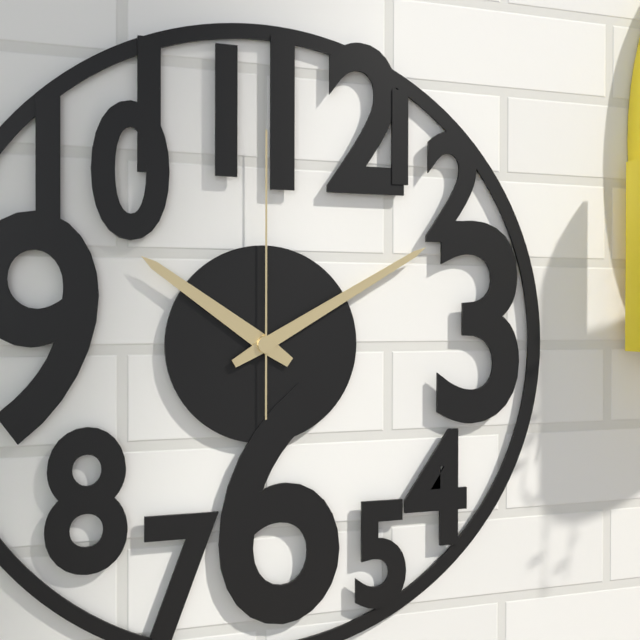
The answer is 10h10m00s
